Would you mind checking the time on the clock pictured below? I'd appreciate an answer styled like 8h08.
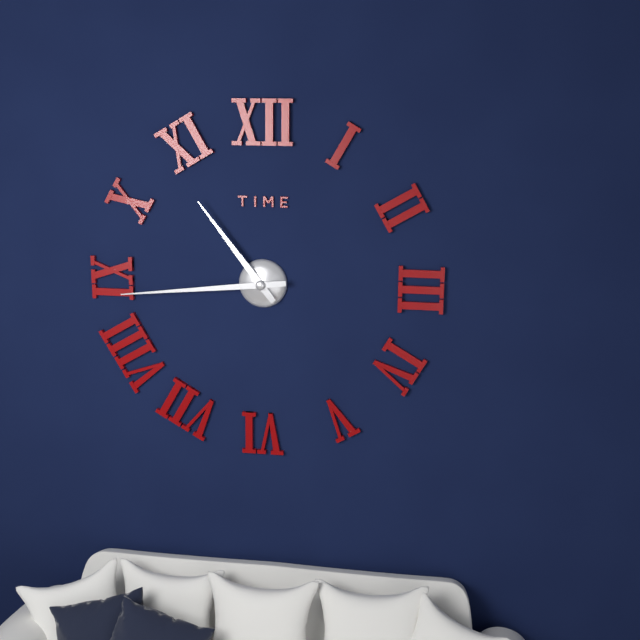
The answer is 10h44
